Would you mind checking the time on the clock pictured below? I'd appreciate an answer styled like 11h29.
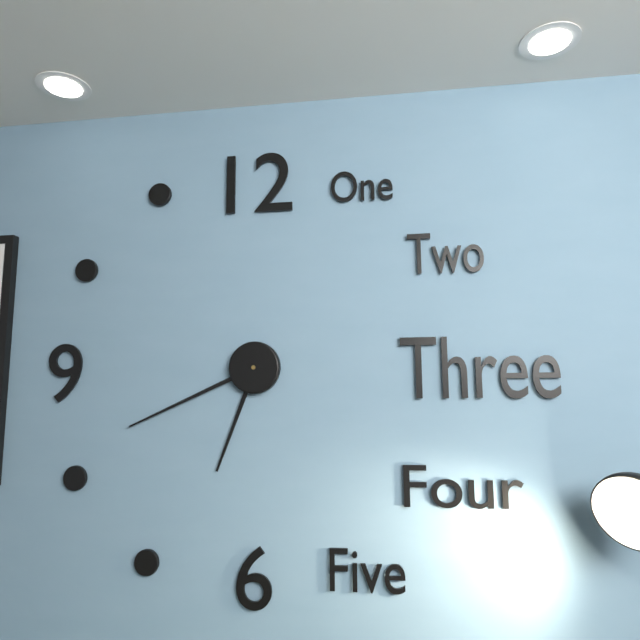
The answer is 6h41
